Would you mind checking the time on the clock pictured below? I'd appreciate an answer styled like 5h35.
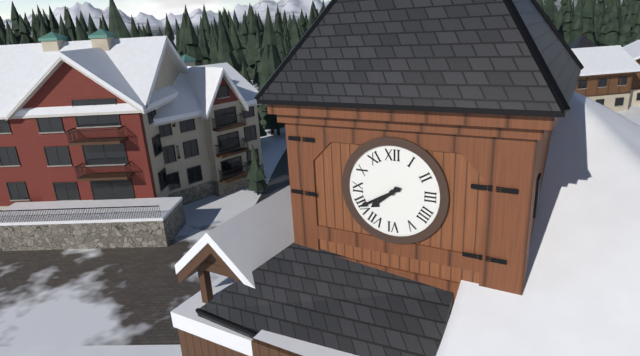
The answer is 7h40
